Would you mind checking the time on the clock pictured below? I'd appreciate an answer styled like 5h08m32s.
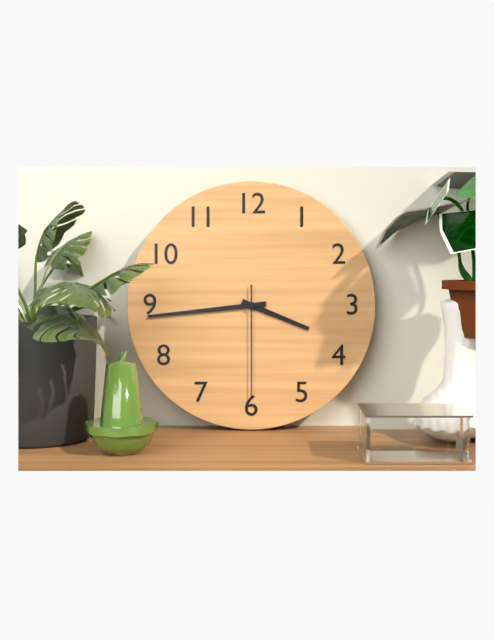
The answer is 3h44m30s
